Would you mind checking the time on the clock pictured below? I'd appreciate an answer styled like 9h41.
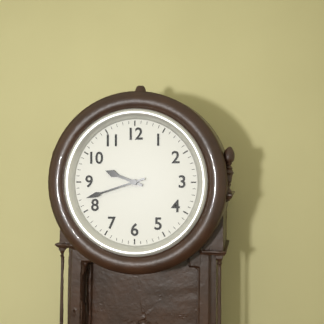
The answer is 9h42
